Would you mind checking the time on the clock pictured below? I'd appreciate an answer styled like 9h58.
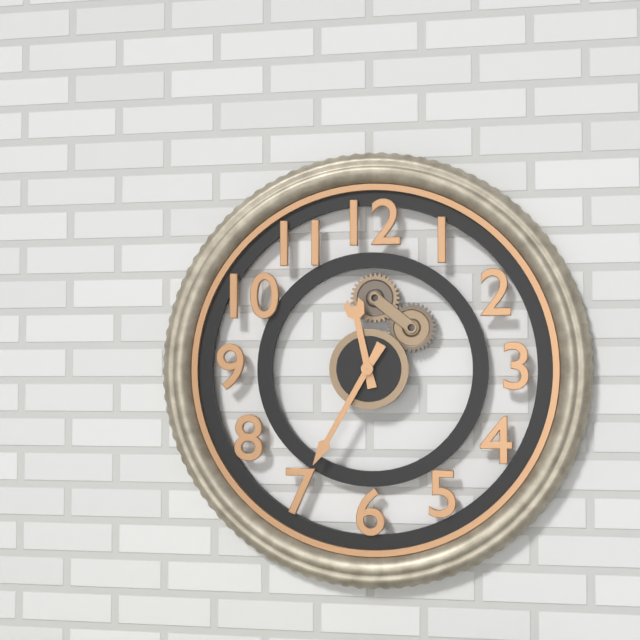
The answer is 11h35
